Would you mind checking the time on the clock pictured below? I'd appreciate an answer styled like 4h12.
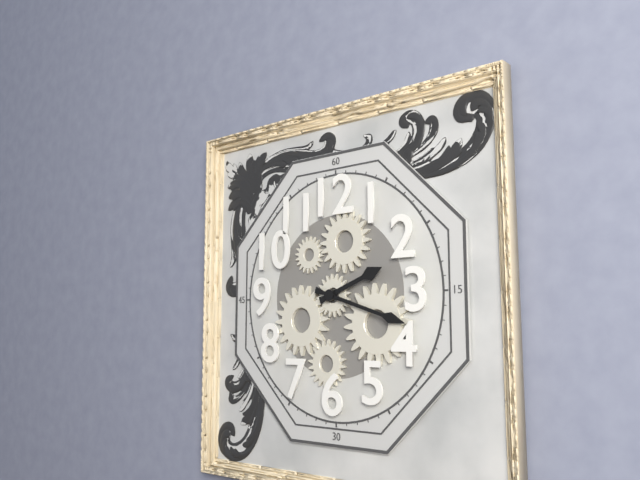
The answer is 2h18
